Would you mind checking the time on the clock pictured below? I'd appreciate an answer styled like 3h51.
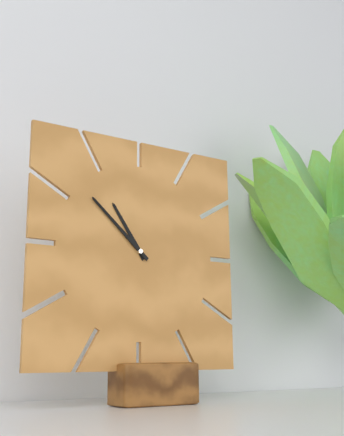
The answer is 10h52
